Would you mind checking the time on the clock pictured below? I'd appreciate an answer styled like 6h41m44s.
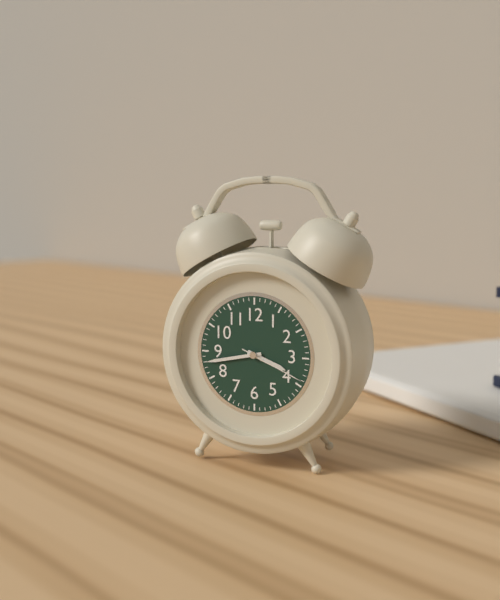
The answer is 3h43m19s
